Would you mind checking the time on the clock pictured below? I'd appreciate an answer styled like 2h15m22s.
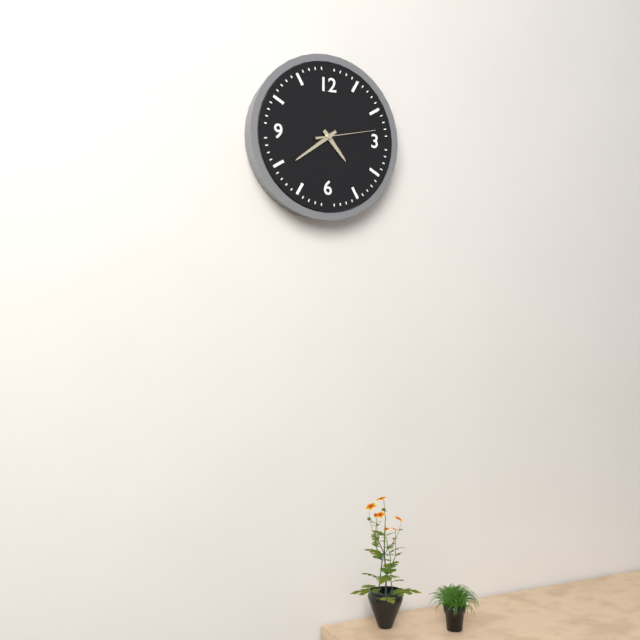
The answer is 4h39m13s
